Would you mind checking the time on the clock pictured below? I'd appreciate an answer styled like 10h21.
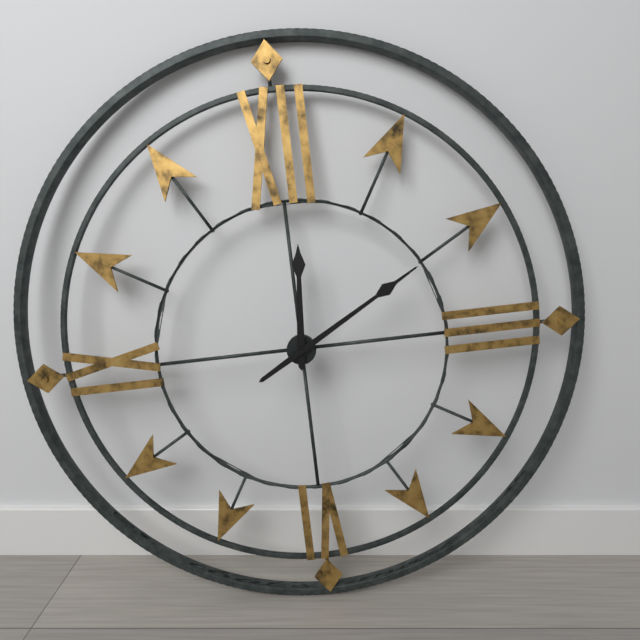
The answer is 12h10
